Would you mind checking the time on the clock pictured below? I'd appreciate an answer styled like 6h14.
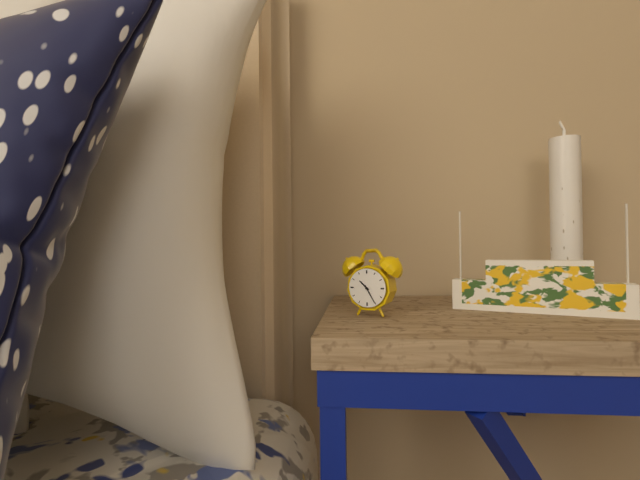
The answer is 10h25
